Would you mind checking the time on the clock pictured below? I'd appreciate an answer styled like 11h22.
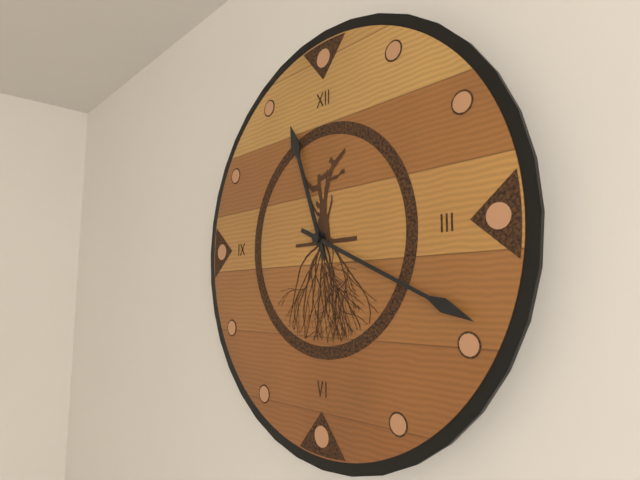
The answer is 11h19
